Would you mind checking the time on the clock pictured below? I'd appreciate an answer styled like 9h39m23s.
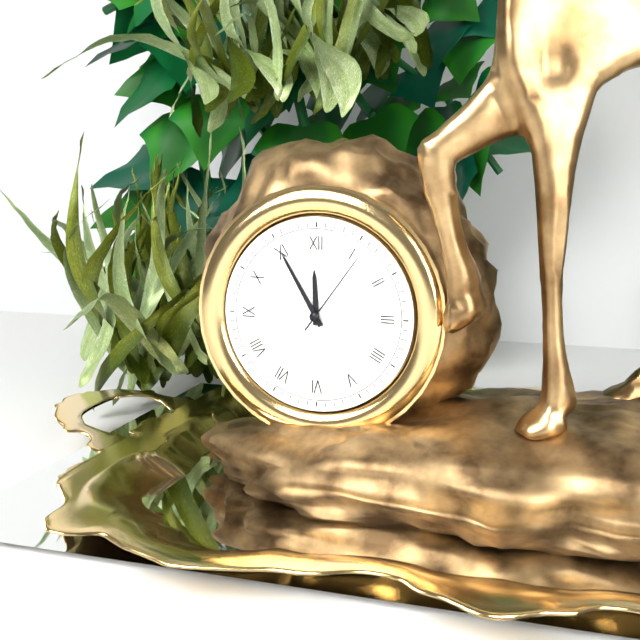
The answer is 11h55m06s
